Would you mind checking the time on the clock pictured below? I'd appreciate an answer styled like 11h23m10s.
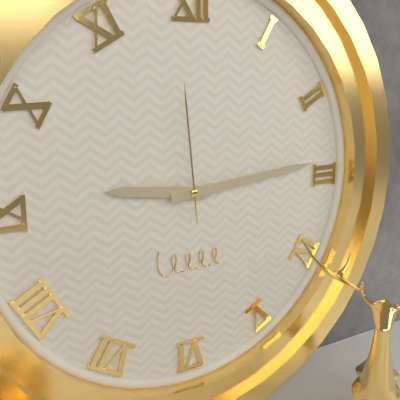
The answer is 9h14m59s
